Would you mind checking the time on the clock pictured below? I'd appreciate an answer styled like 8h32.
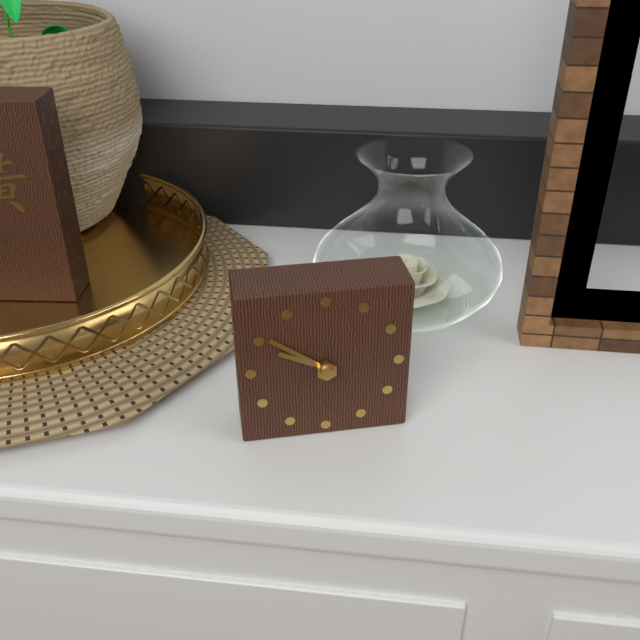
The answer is 9h51
